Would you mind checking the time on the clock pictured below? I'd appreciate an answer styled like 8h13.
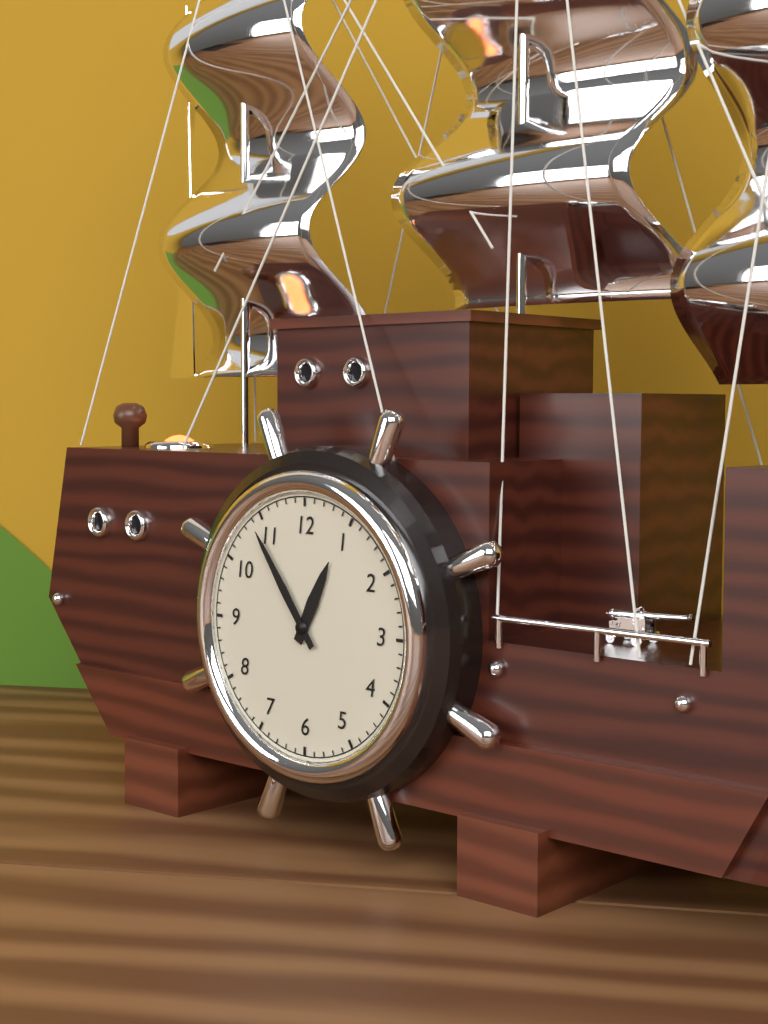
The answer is 12h54
